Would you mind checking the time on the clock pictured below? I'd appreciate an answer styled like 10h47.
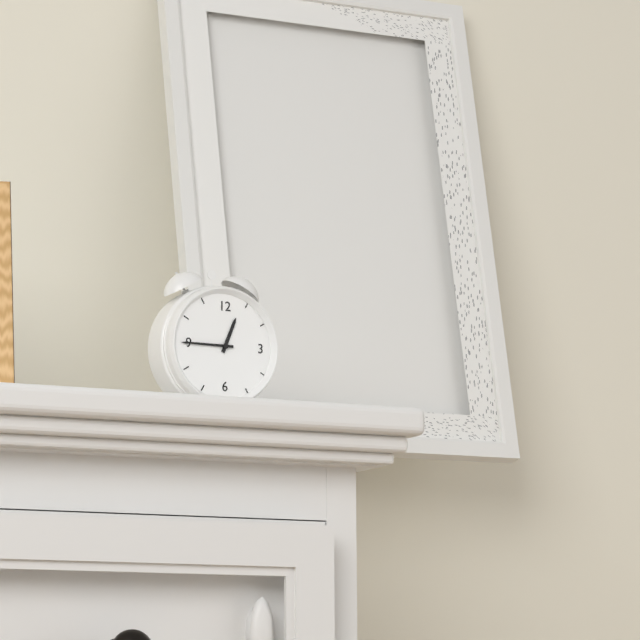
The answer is 12h45
